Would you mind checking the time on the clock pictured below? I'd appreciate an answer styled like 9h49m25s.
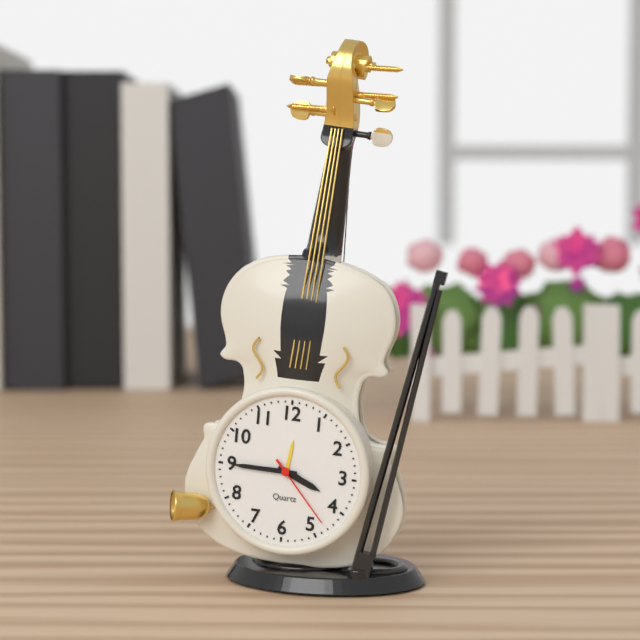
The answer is 3h45m23s
